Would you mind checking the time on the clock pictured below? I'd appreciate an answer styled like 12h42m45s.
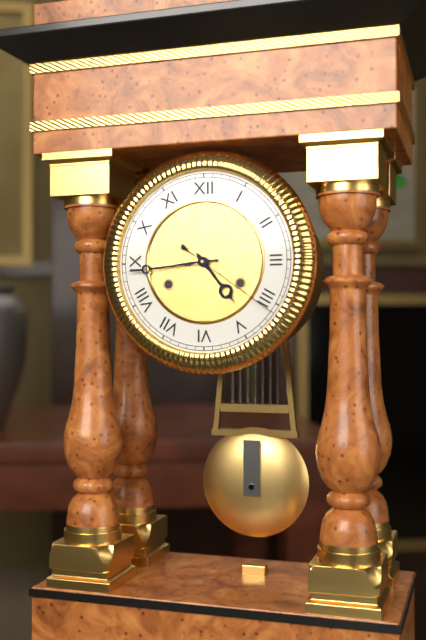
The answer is 4h44m21s
